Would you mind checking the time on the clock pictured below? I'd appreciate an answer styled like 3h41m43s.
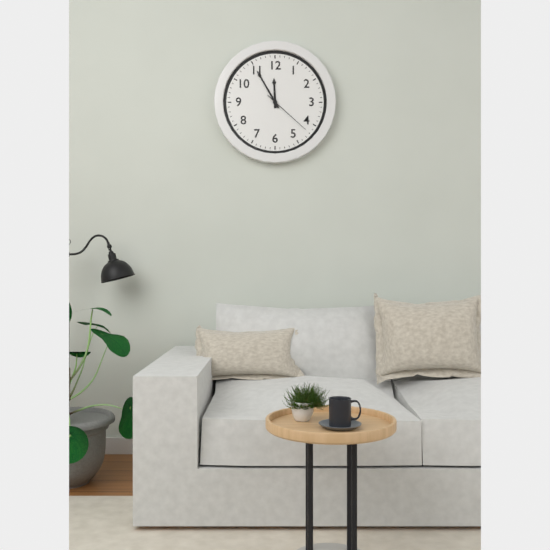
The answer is 11h55m22s
